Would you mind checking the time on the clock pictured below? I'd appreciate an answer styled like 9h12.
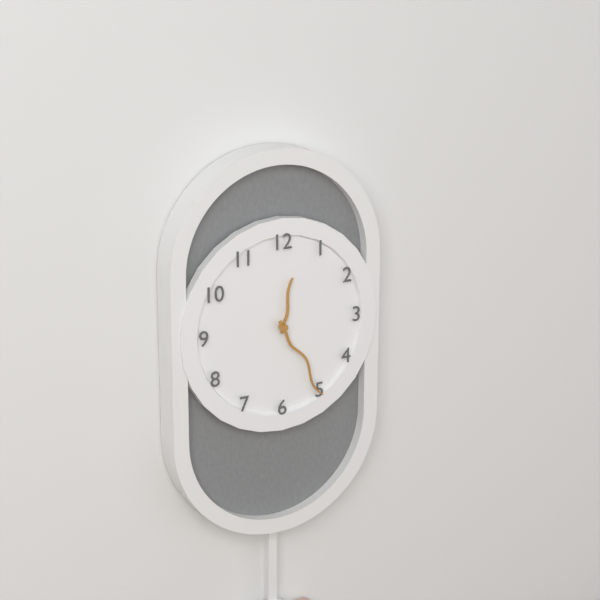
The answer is 12h25
